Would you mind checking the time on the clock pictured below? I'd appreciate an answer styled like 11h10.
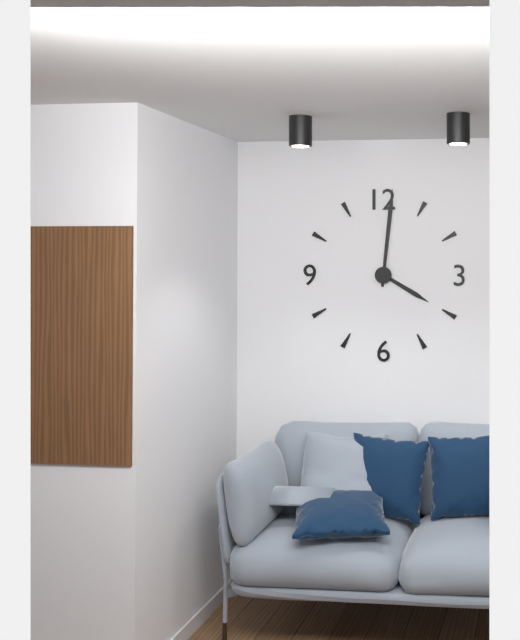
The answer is 4h01
